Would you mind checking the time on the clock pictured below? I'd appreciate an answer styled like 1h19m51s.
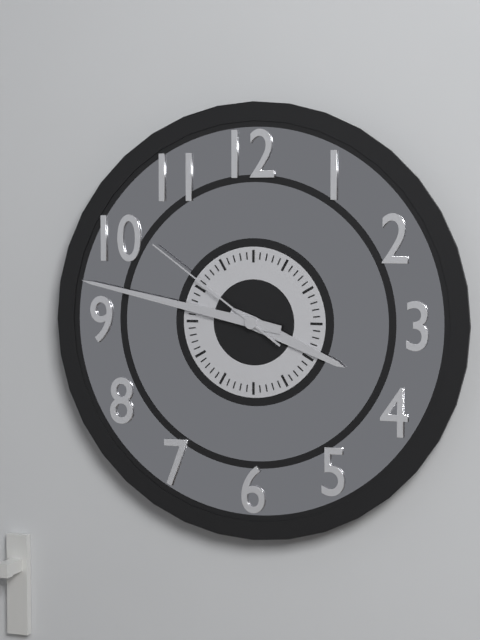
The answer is 3h47m51s
